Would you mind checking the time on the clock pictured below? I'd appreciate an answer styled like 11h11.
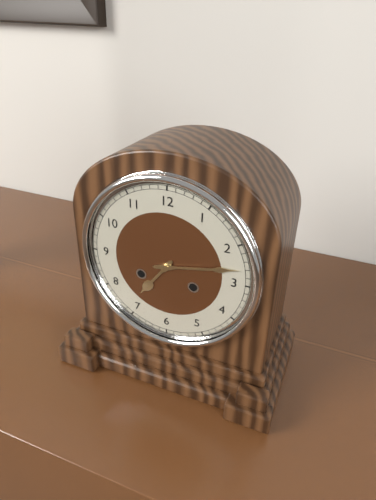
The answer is 7h13
